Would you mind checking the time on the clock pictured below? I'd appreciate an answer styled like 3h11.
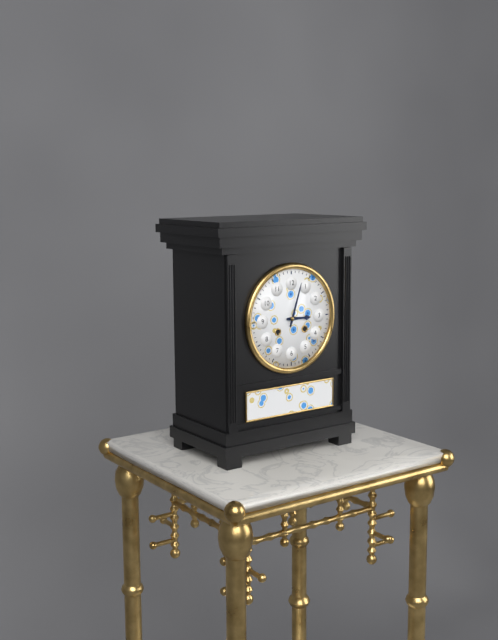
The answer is 3h03
